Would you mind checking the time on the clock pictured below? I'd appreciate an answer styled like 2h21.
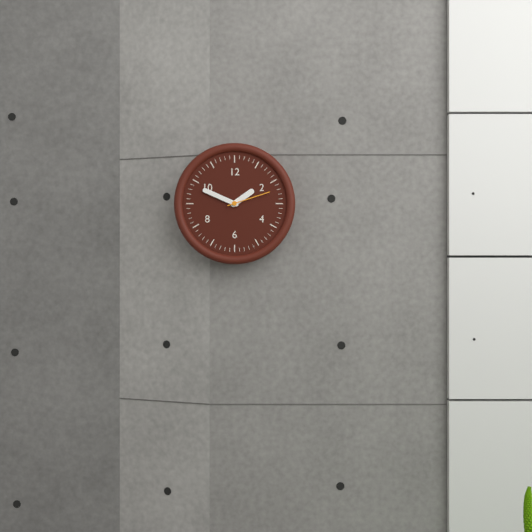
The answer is 1h49
